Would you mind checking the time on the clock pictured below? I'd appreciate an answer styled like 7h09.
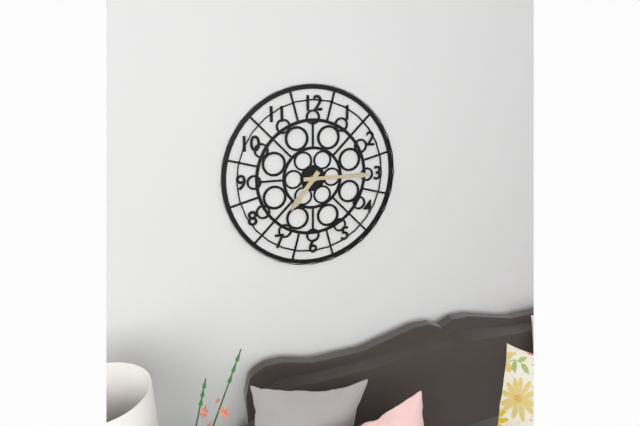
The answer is 7h15
